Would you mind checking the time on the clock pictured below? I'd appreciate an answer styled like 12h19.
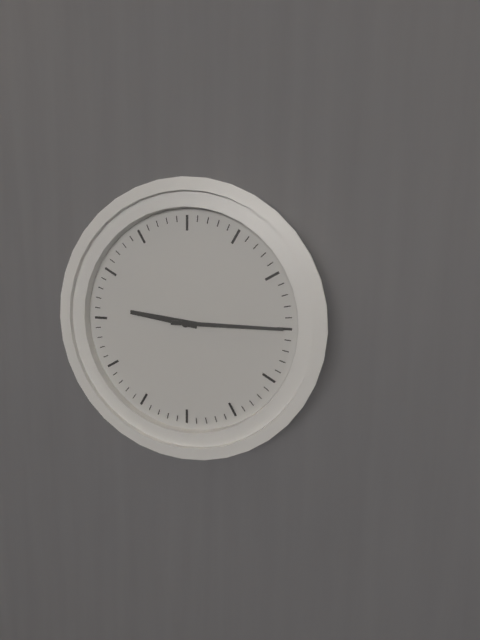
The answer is 9h15
